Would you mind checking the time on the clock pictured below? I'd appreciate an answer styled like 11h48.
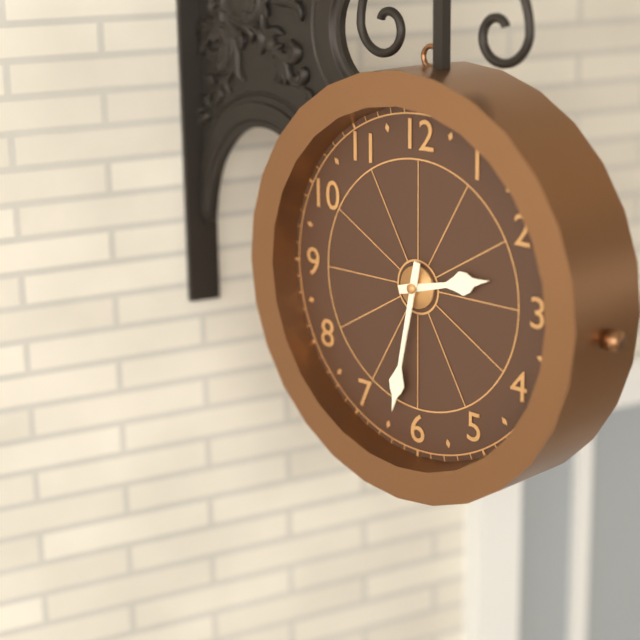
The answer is 2h32
